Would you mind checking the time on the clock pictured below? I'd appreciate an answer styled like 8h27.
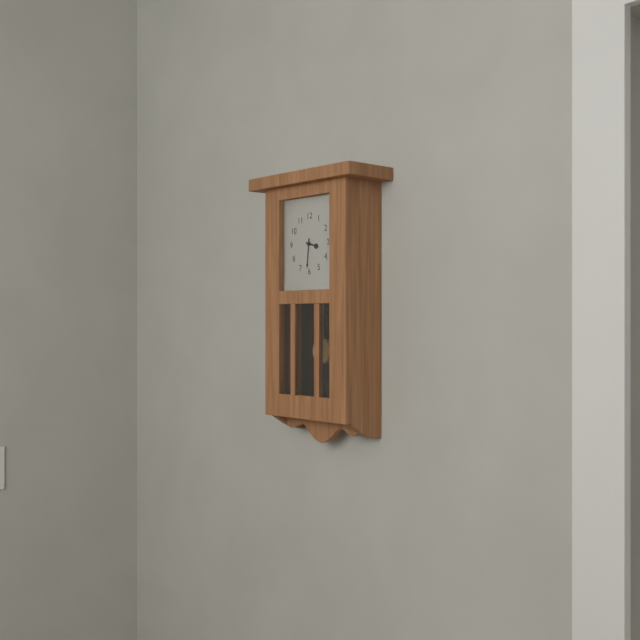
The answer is 3h31
